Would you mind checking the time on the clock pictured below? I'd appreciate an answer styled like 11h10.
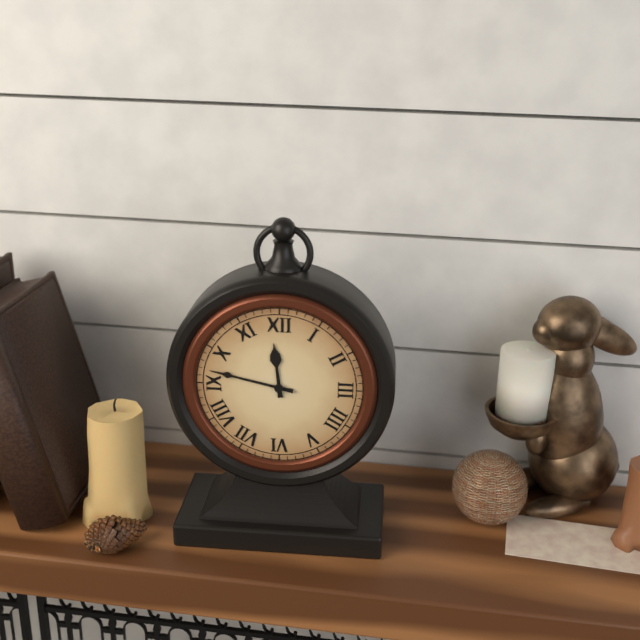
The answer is 11h47
